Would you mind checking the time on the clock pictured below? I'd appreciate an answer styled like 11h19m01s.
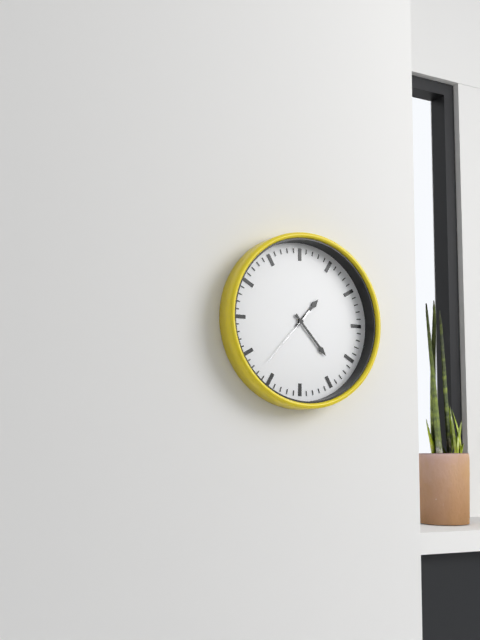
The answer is 1h23m37s
